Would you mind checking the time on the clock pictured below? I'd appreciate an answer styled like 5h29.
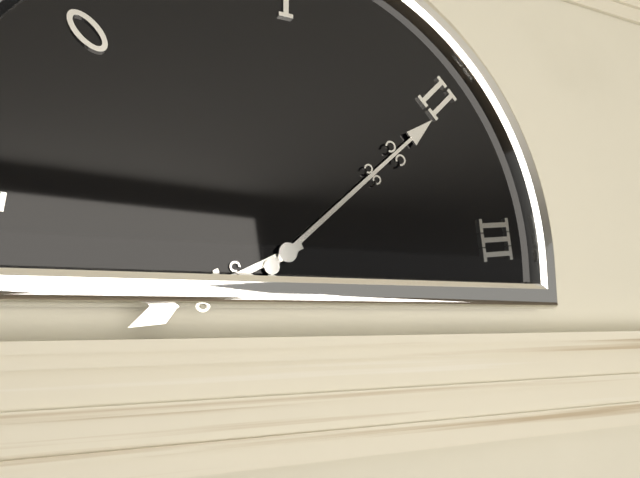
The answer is 8h08
